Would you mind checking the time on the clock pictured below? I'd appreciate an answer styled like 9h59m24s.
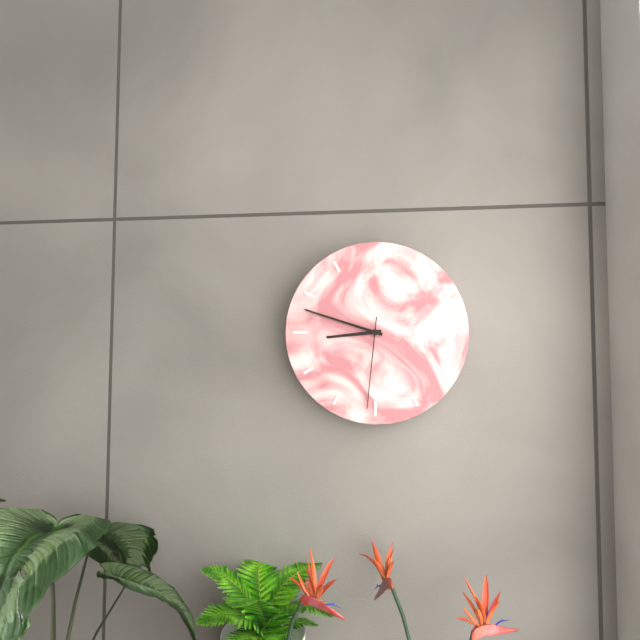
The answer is 8h48m31s
